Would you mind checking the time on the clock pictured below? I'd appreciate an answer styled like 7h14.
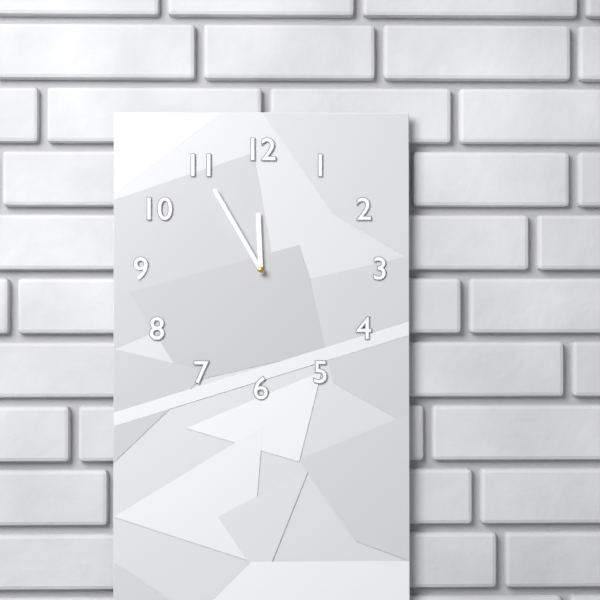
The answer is 11h55
